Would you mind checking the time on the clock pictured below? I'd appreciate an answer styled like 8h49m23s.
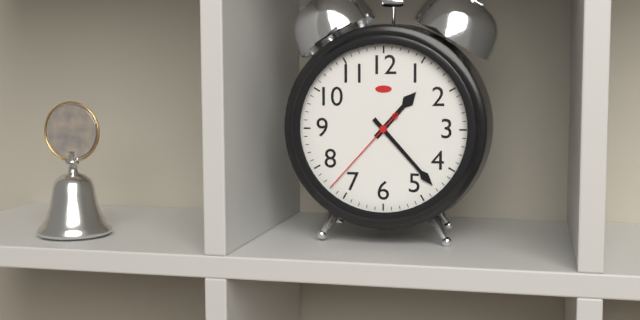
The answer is 1h23m37s
